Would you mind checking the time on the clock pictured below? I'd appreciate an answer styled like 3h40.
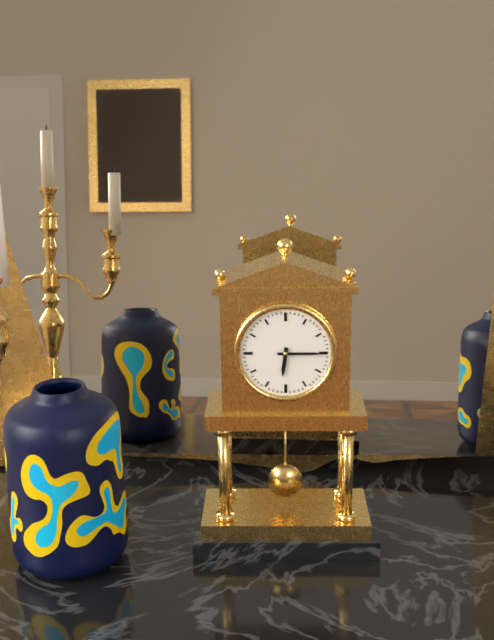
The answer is 6h15
